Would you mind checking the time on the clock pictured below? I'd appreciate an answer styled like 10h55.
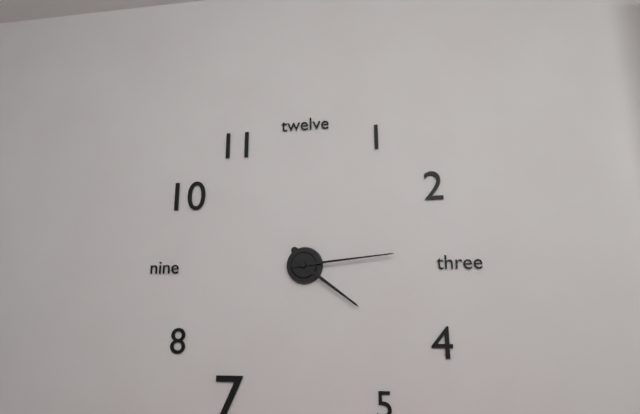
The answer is 4h14
